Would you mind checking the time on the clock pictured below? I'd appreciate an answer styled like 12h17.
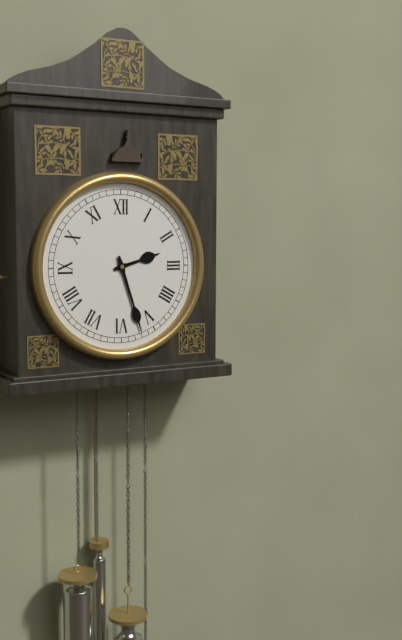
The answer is 2h27
